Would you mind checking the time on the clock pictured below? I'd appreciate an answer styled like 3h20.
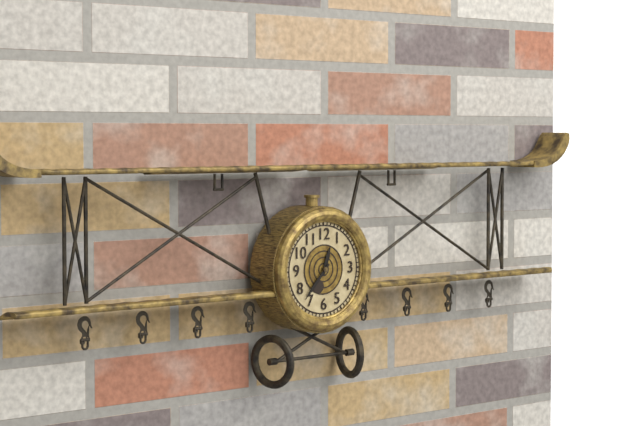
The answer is 12h37
